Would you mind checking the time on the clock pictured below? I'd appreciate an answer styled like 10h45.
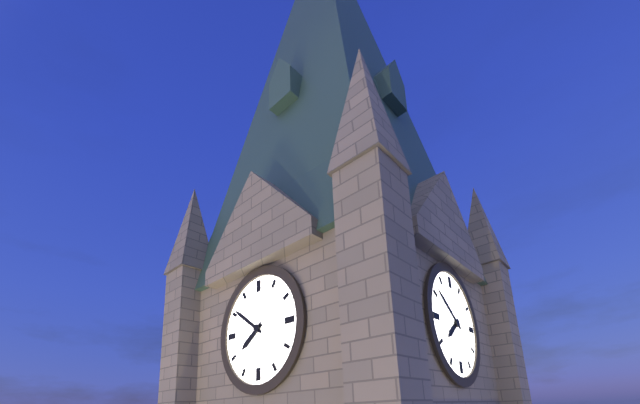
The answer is 7h51
